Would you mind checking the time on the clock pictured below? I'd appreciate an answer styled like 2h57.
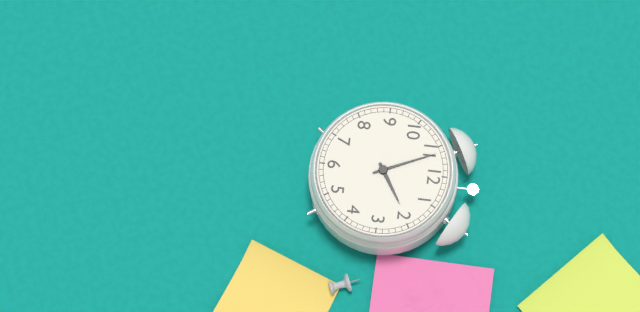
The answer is 1h56
